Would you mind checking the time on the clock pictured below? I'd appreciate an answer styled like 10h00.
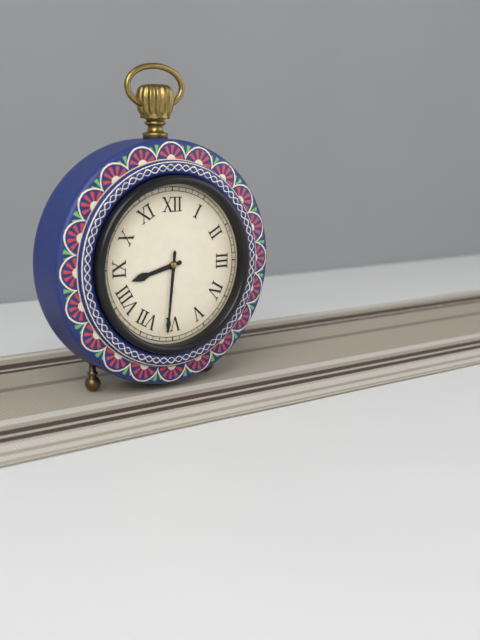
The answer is 8h31
